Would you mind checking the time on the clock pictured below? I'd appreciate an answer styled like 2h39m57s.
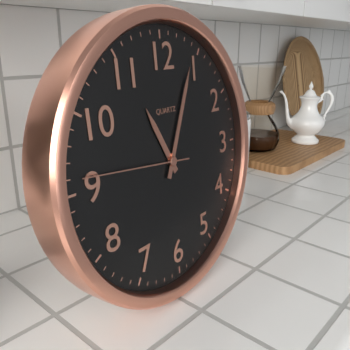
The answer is 11h04m46s
